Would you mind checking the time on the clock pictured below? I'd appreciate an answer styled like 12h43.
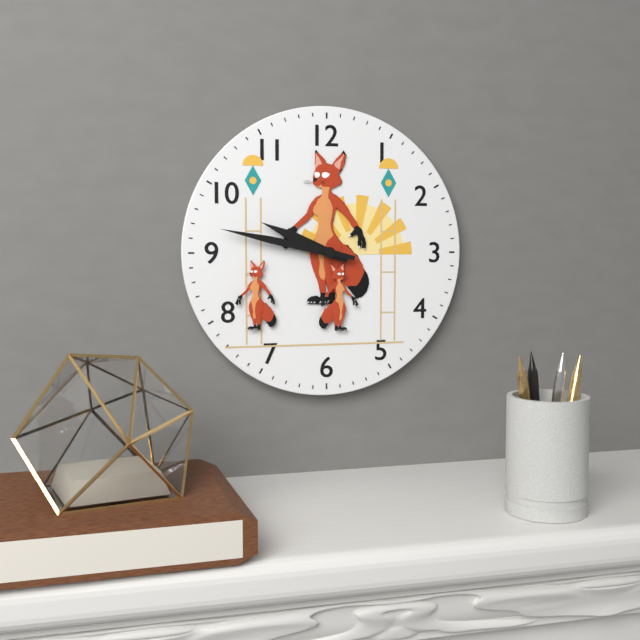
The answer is 9h47
